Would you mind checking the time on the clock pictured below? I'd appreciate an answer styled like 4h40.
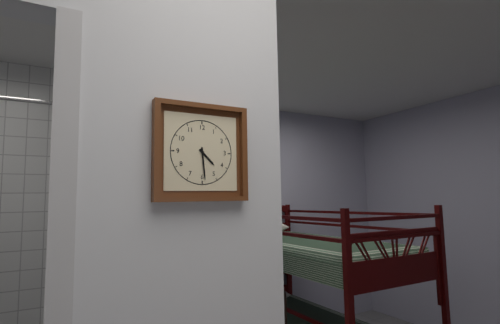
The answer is 4h29
